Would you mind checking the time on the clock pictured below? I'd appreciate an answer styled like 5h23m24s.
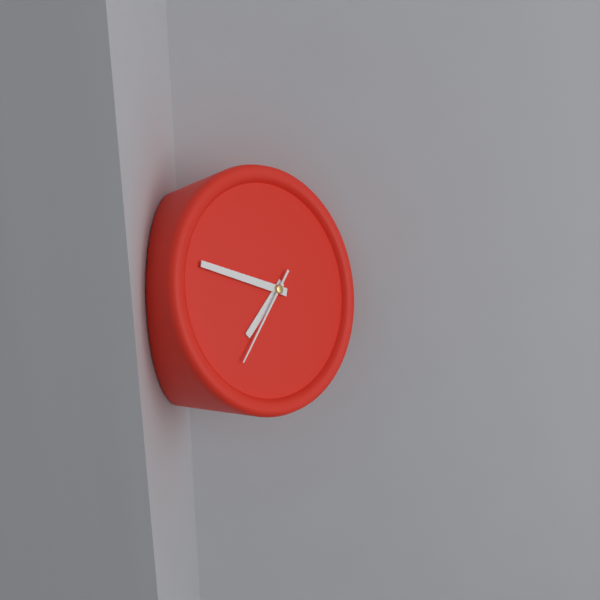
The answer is 7h49m38s
